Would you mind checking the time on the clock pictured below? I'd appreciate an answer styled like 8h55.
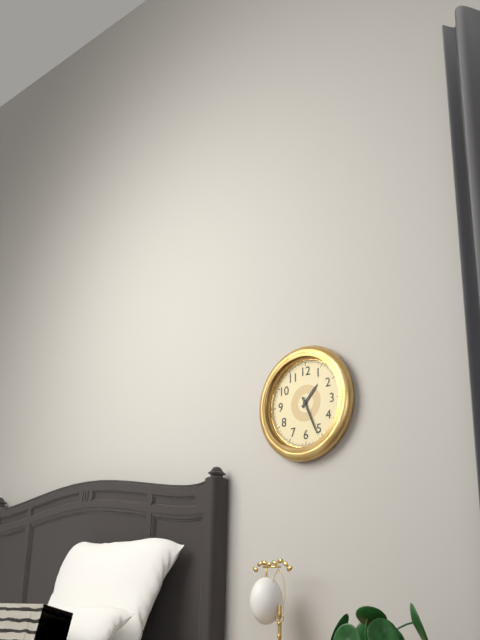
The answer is 1h26
